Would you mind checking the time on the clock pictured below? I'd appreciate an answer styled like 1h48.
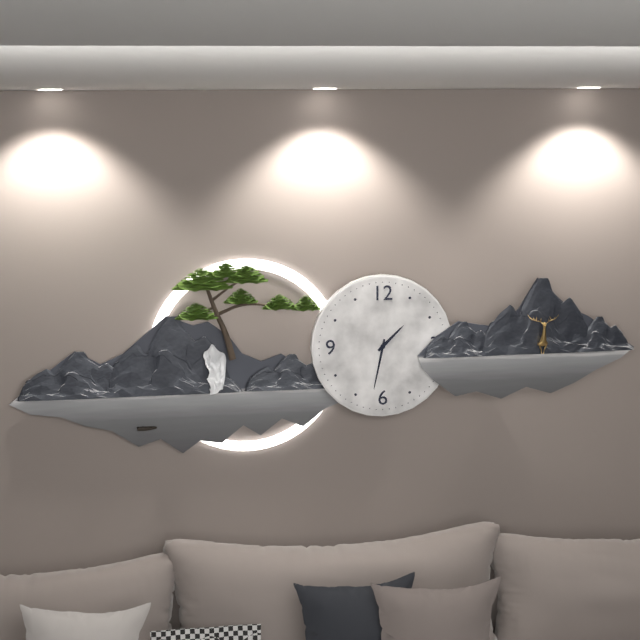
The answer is 1h32
